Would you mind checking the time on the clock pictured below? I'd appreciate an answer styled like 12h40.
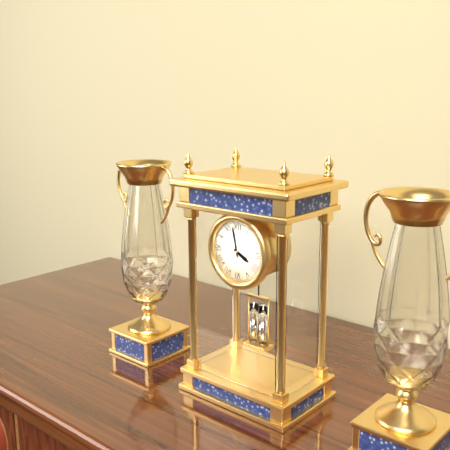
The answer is 3h58
